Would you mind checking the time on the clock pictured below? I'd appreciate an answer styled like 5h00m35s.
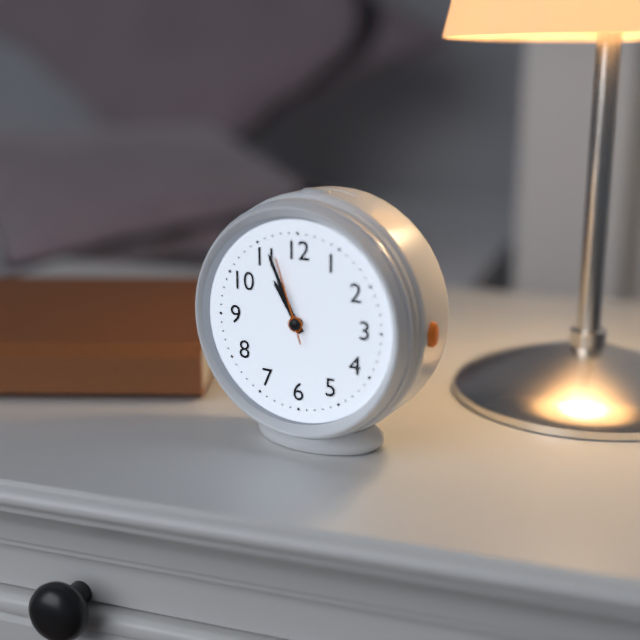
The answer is 10h56m57s
